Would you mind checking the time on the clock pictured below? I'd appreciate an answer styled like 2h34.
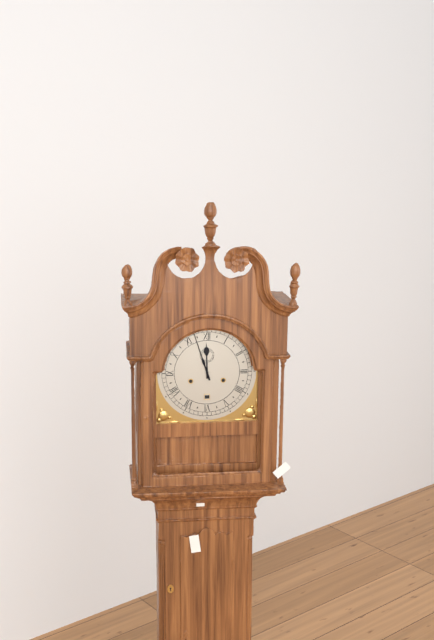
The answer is 11h57
